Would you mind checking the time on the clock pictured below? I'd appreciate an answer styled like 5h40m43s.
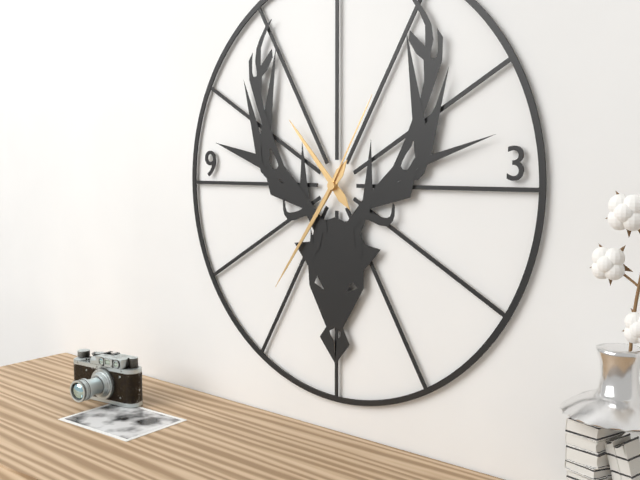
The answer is 10h36m05s
